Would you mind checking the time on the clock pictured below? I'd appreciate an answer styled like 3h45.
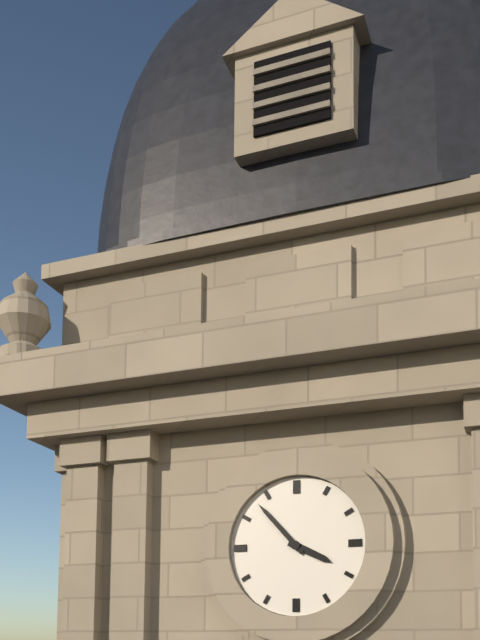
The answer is 3h53
